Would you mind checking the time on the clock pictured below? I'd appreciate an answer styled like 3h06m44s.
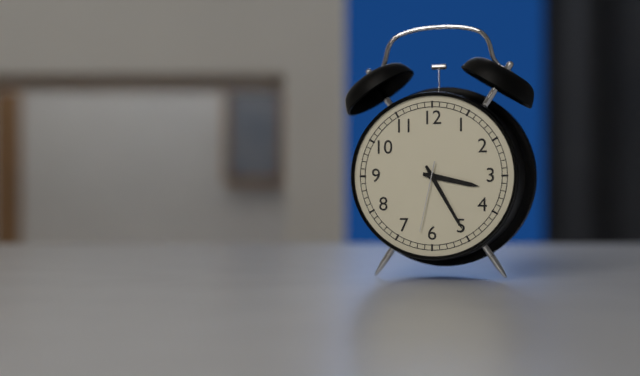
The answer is 3h25m32s
